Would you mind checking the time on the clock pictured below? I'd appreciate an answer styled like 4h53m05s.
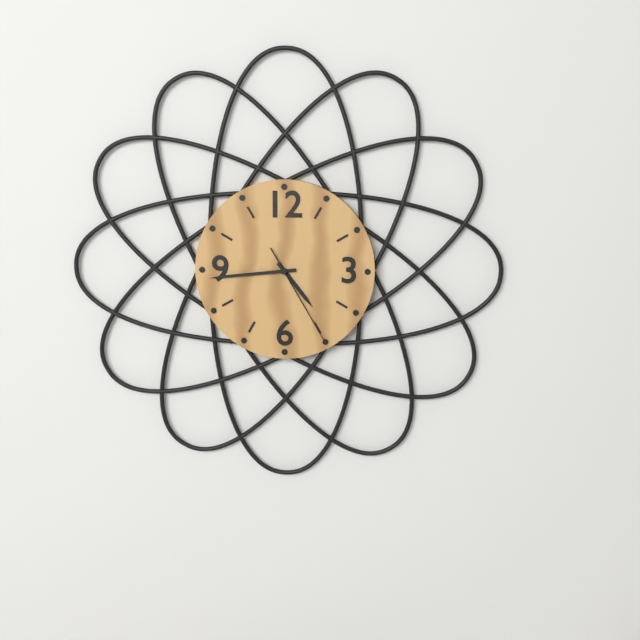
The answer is 4h44m25s
